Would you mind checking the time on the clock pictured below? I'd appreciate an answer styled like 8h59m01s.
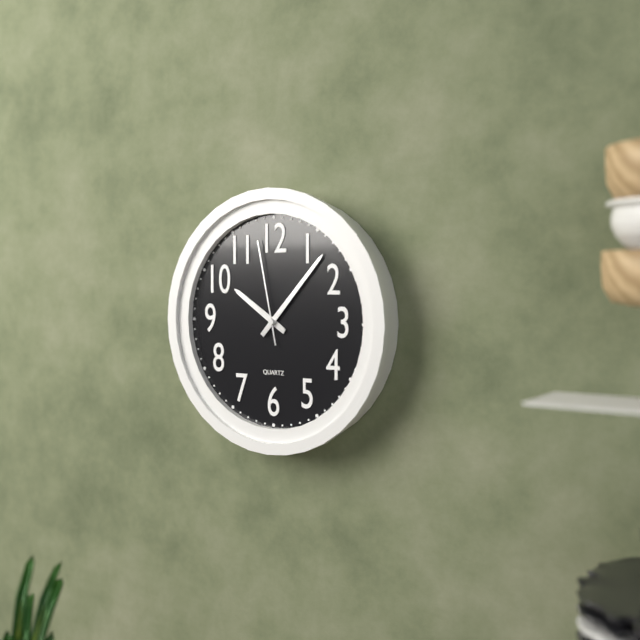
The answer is 10h07m58s
